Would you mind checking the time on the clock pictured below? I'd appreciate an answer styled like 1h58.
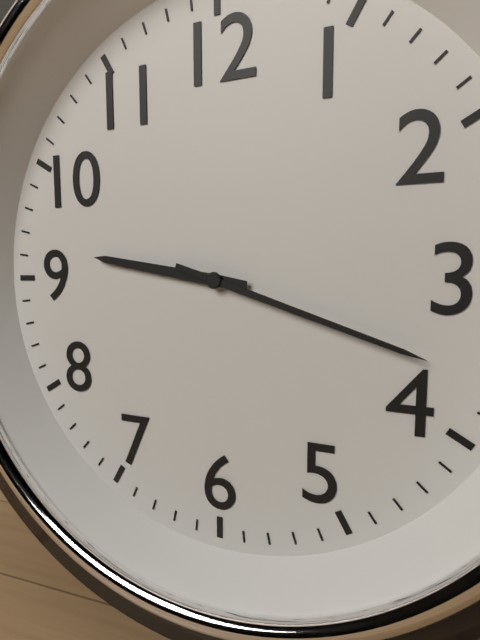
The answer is 9h18
